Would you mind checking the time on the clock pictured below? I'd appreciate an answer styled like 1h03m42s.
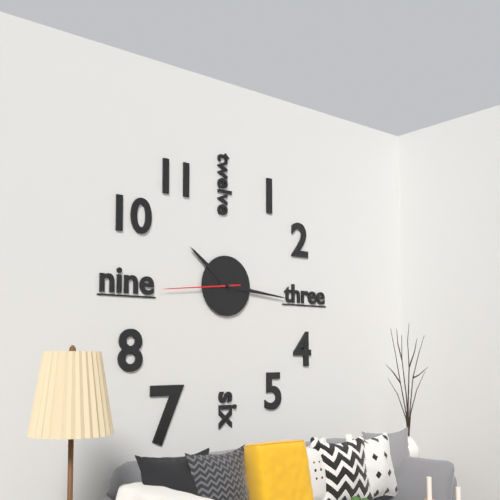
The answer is 10h16m44s
